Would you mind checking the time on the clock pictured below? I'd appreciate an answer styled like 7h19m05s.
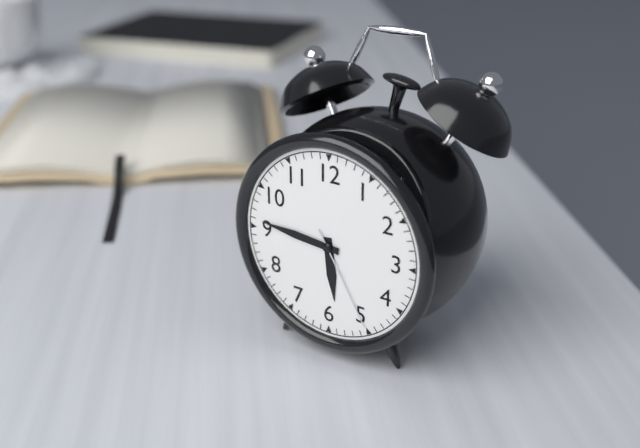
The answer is 5h46m25s
